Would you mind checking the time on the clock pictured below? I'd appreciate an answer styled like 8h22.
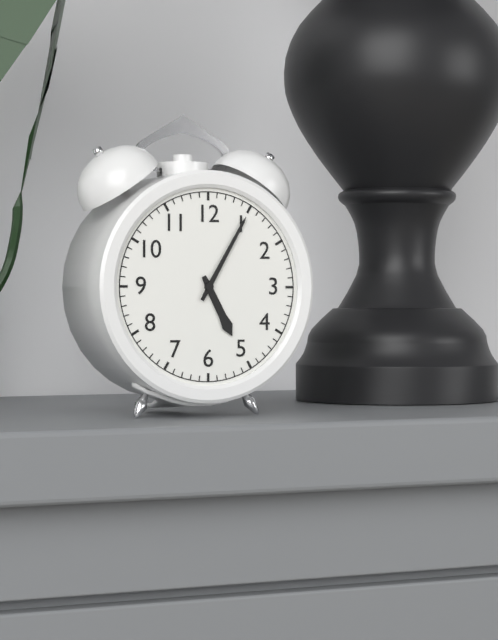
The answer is 5h05
